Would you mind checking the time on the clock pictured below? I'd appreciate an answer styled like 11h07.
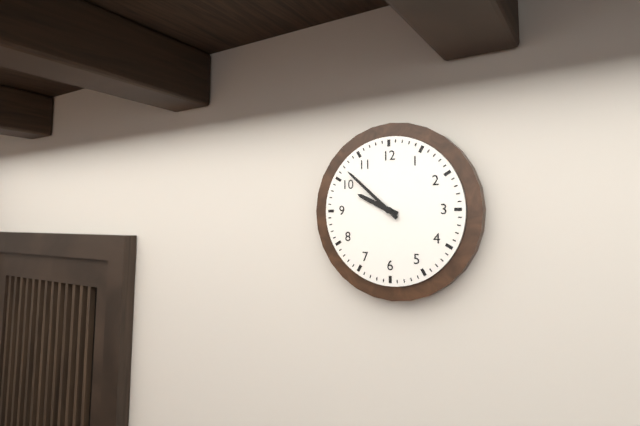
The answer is 9h52
